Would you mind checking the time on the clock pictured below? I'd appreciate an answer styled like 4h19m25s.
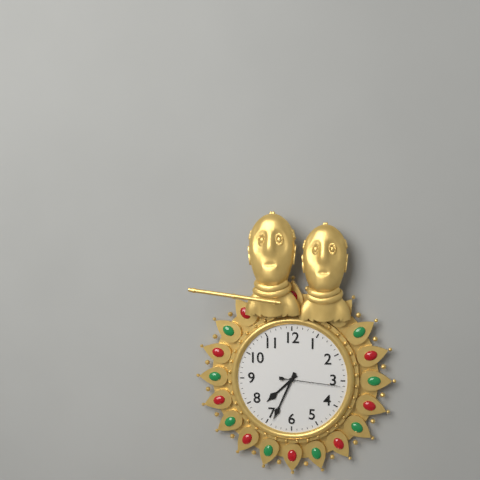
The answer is 7h34m16s
